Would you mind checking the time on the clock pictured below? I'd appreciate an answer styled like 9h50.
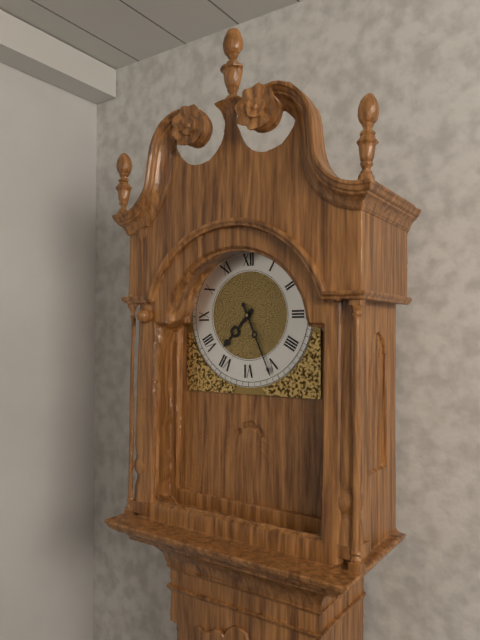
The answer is 7h26
